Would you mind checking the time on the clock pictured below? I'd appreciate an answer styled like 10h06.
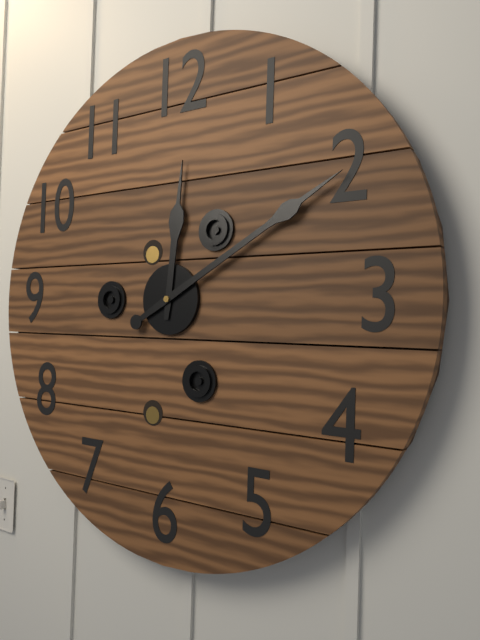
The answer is 12h10
